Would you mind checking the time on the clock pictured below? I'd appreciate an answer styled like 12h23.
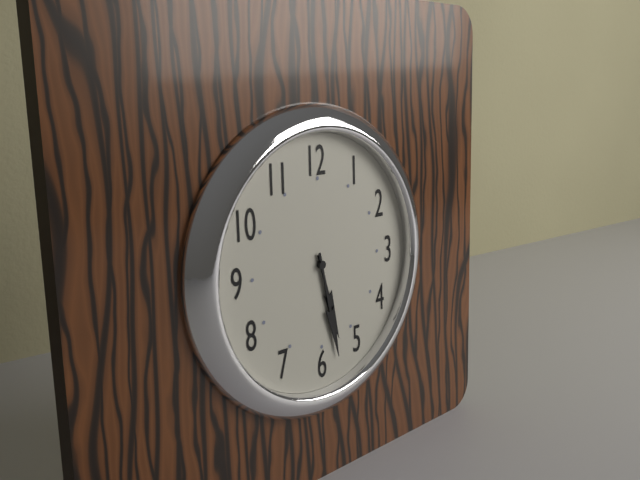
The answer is 5h28
